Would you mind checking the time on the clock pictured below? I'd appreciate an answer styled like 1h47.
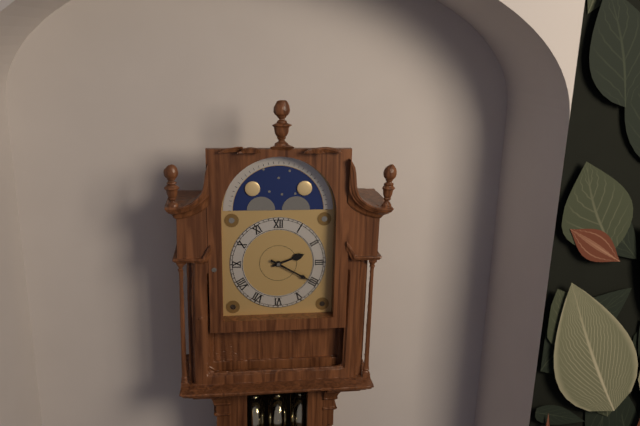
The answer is 2h20
